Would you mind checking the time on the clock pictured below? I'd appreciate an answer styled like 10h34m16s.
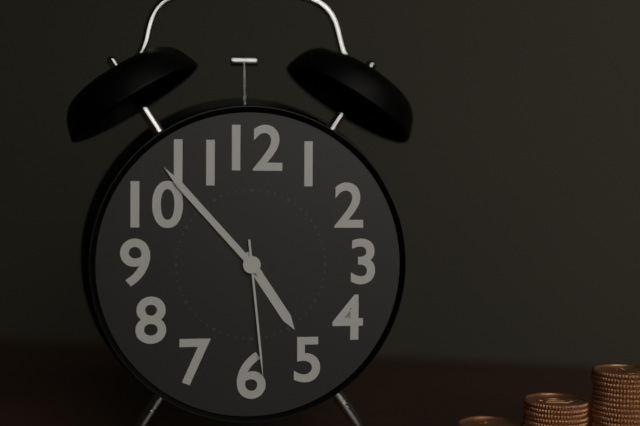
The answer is 4h53m29s
